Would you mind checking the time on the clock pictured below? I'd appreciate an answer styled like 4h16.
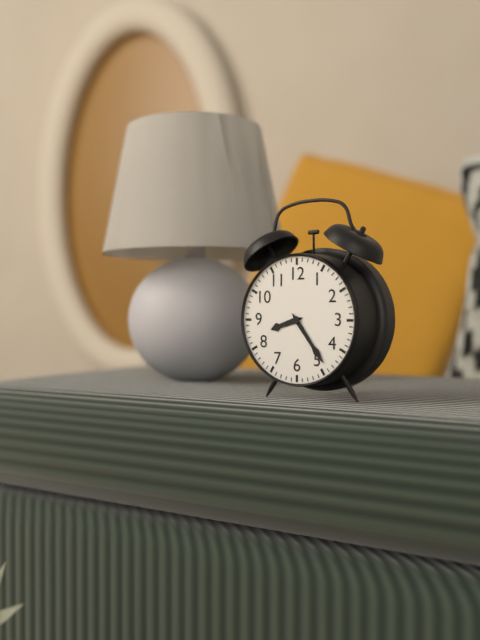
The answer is 8h24
